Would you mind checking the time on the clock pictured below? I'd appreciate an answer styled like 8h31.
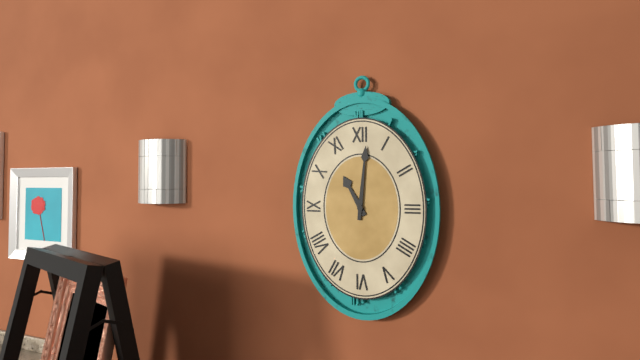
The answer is 11h01
